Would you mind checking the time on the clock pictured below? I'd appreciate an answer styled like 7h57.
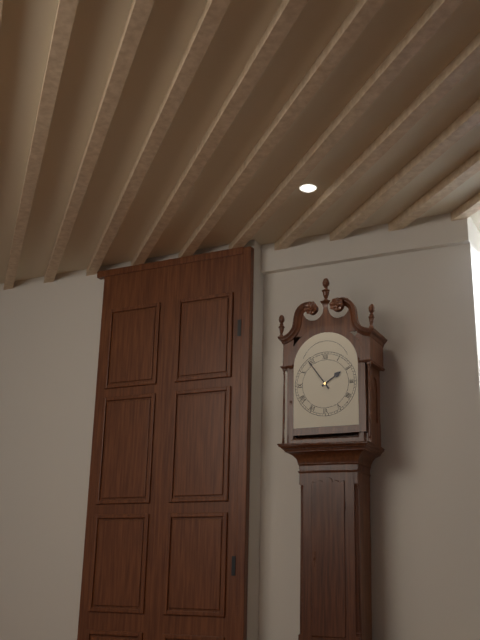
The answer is 1h54
